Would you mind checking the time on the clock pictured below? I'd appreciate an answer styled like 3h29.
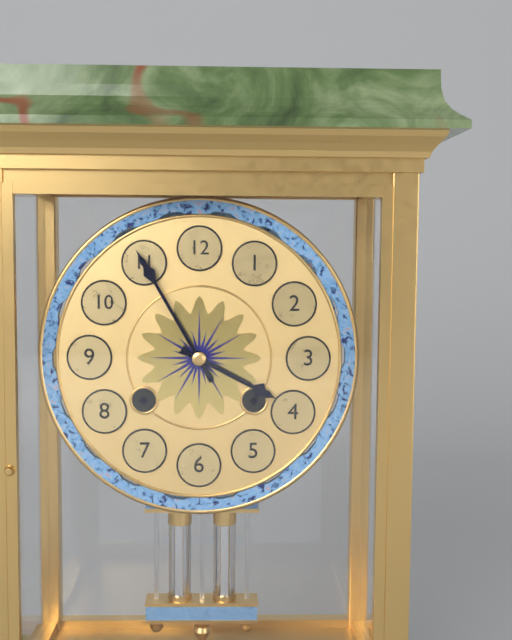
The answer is 3h55
